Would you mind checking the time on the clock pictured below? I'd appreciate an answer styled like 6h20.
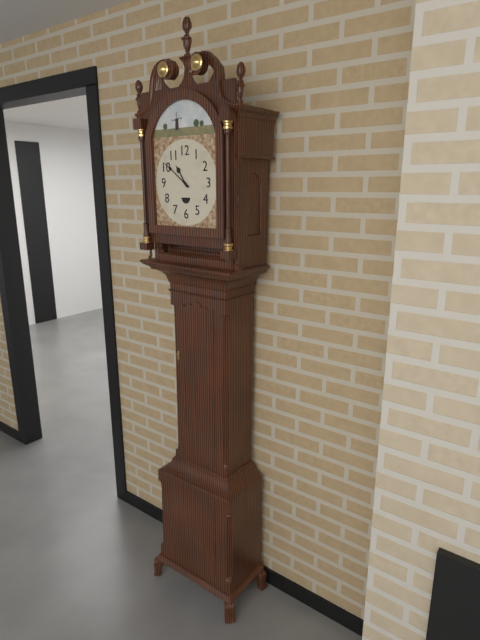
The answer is 10h51
